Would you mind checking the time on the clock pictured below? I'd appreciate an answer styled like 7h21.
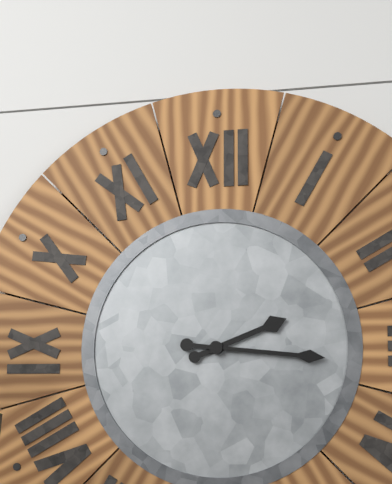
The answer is 2h16
